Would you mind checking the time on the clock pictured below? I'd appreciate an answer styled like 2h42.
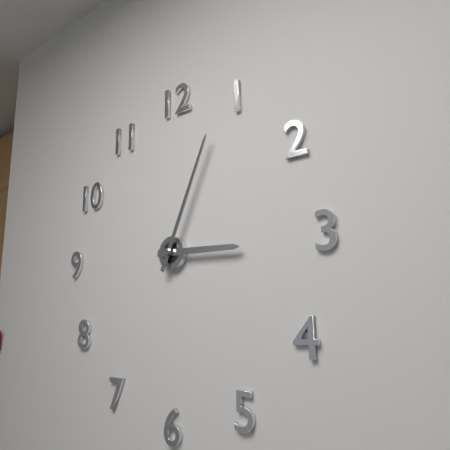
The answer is 3h04
